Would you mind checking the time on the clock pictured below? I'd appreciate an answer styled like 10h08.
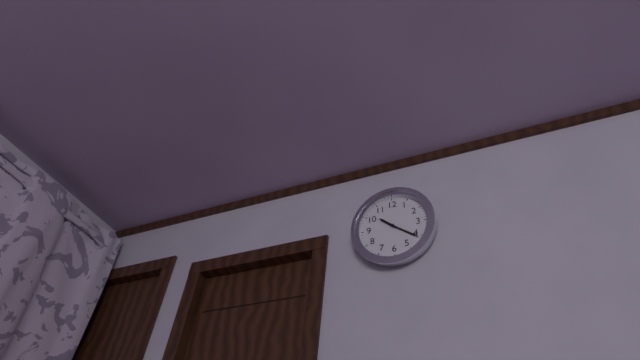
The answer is 10h21
